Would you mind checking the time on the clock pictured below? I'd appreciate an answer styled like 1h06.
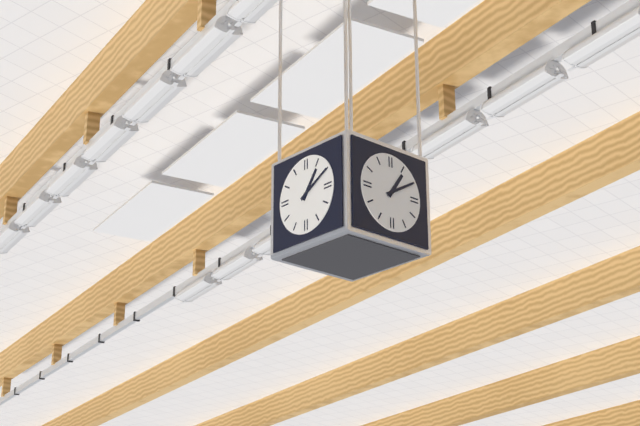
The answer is 1h10
